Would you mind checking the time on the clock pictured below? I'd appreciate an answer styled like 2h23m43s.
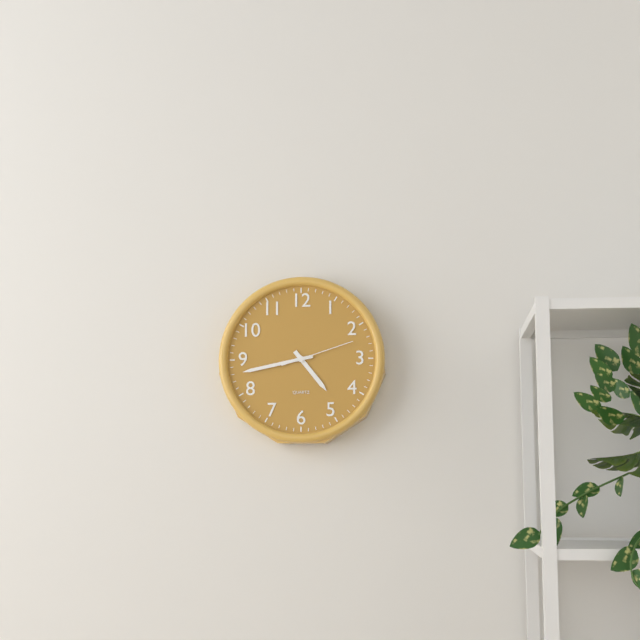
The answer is 4h43m12s
